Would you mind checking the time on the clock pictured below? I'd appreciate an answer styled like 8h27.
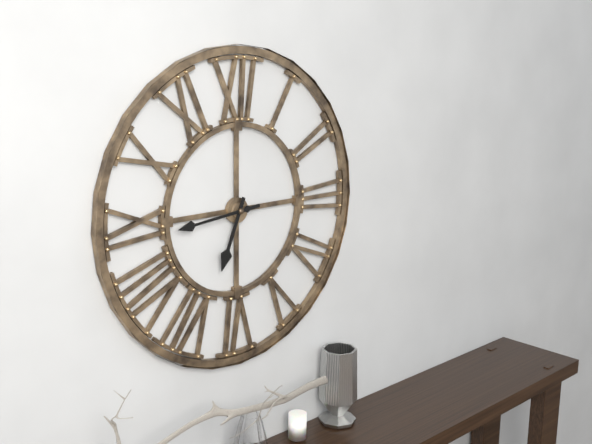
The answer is 6h44
